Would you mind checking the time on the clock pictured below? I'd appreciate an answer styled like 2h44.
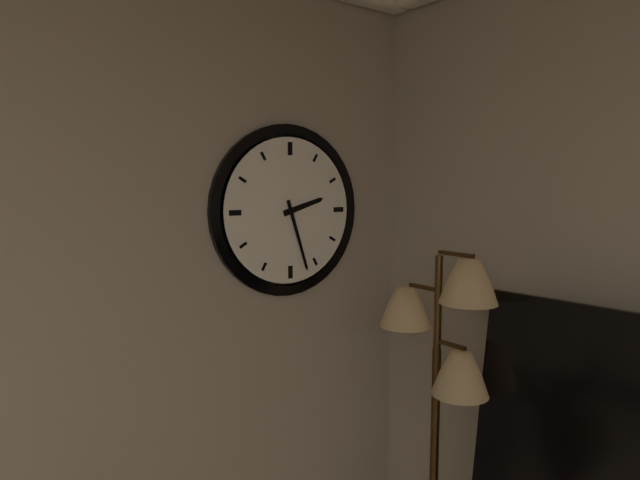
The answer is 2h27
